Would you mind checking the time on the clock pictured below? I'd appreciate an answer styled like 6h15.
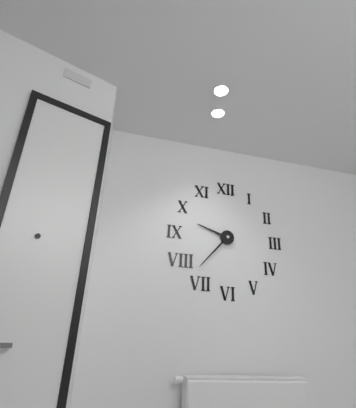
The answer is 9h37
